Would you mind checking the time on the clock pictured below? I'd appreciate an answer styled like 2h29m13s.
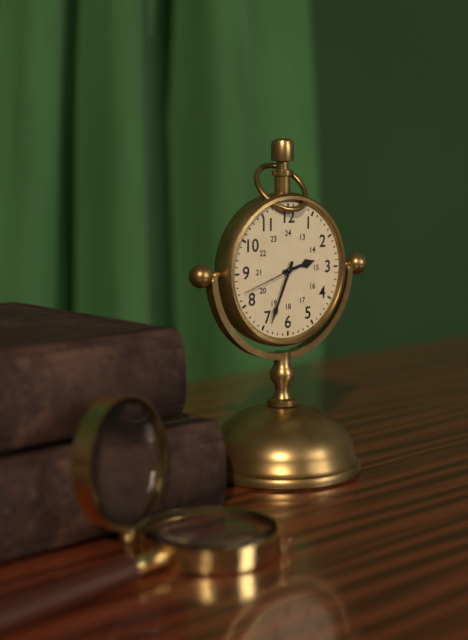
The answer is 2h34m42s
